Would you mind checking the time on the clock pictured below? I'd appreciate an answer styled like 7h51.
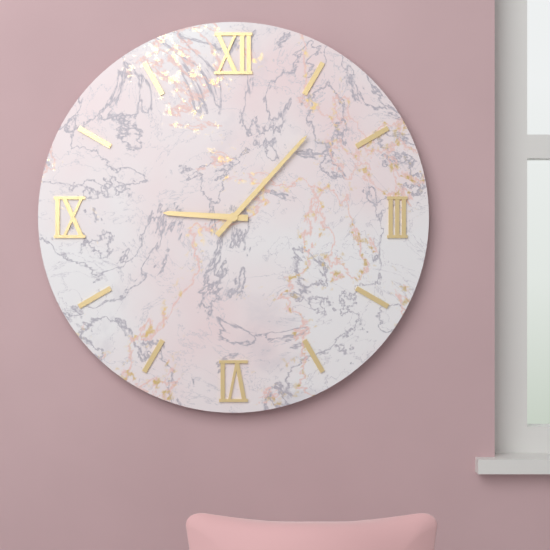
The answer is 9h07
